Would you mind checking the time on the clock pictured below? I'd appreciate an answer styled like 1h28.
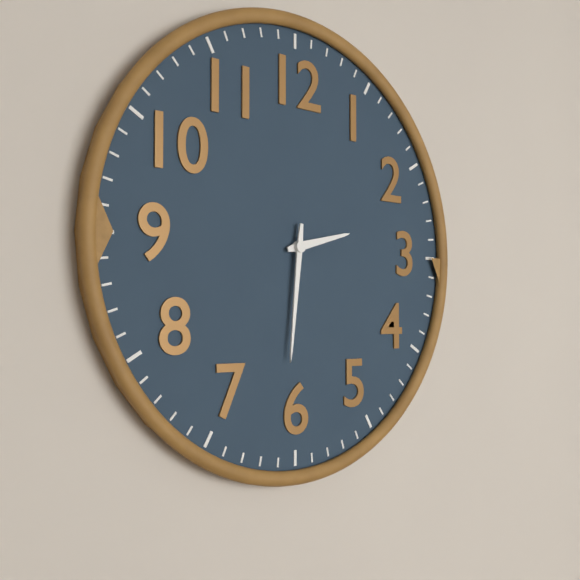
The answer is 2h31
